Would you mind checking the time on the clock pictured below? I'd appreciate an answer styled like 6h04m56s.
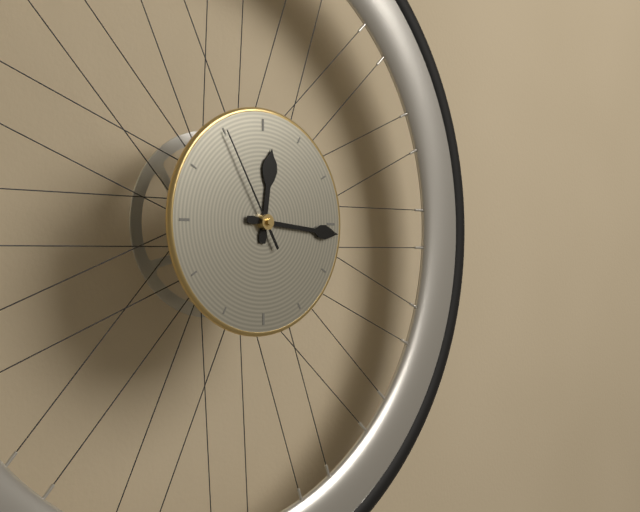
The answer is 12h16m55s
